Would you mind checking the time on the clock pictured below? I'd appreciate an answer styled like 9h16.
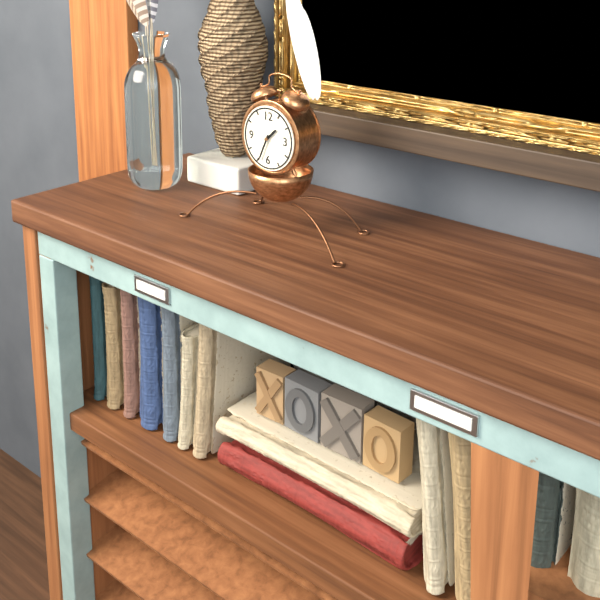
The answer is 1h34
